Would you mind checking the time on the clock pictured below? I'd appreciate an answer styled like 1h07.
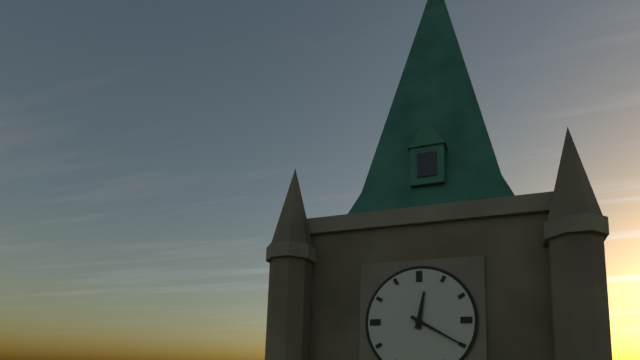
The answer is 12h20
